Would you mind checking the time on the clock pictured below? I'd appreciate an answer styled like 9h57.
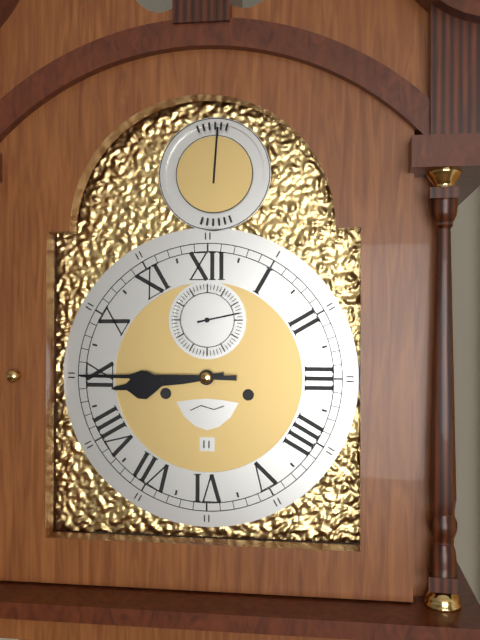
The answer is 8h45
